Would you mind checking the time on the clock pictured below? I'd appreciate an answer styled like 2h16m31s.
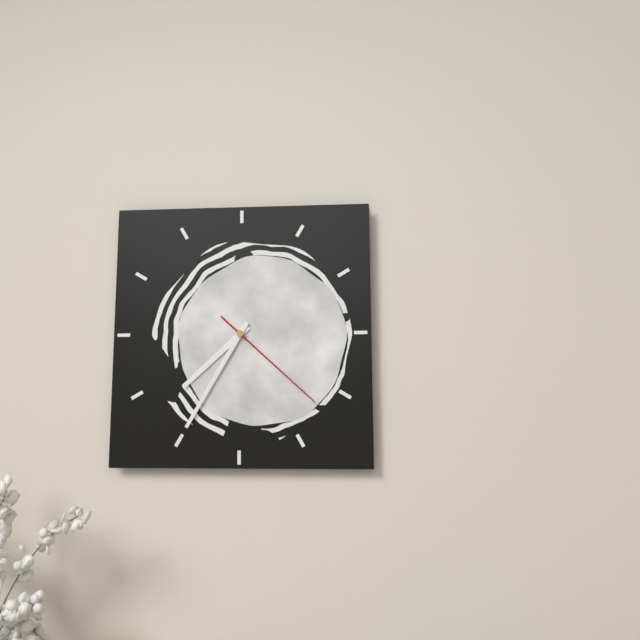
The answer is 7h35m22s
